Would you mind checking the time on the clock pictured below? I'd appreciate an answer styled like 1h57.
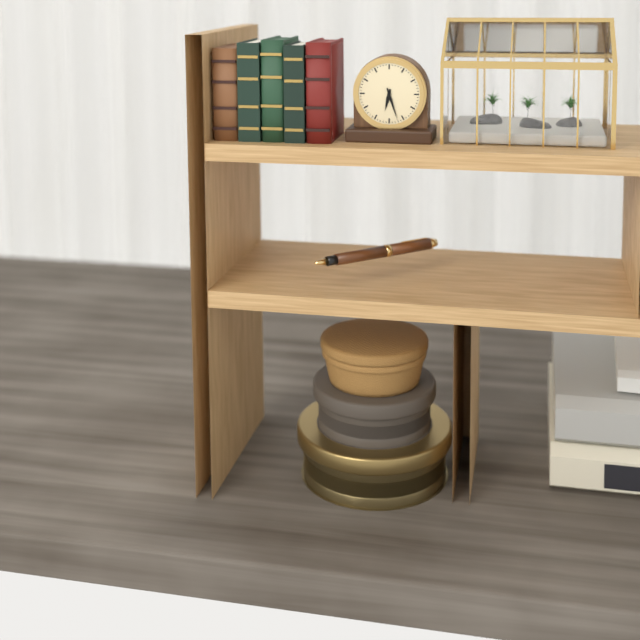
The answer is 6h27
